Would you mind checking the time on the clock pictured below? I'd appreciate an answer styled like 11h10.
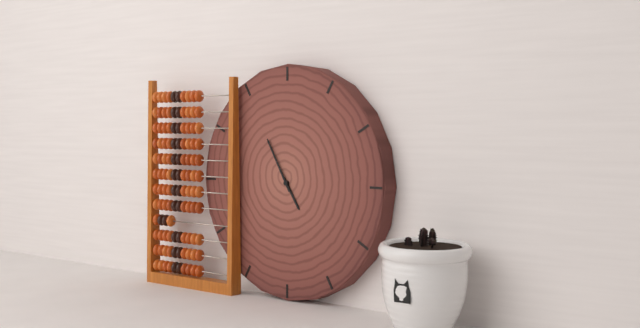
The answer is 4h55
